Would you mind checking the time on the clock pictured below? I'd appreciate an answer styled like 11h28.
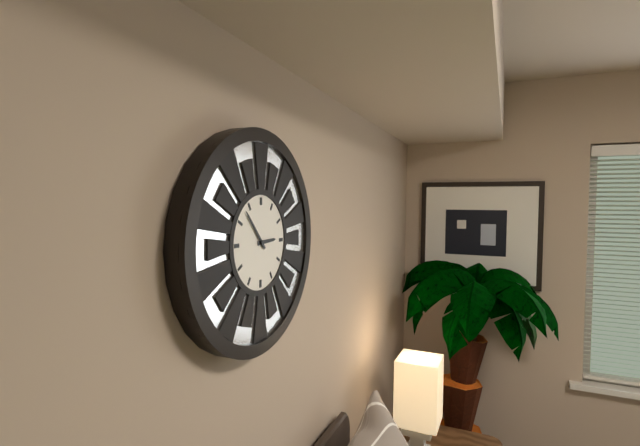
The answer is 2h53
